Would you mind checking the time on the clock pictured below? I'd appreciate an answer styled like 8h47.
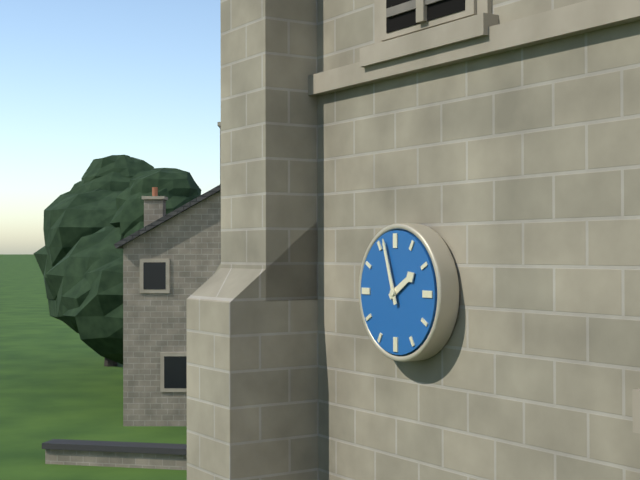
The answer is 1h57
